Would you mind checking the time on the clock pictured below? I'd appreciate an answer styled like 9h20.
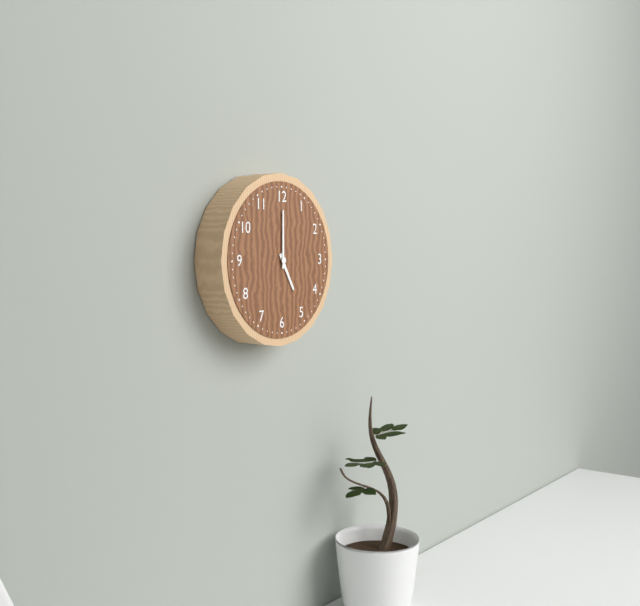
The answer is 5h00
